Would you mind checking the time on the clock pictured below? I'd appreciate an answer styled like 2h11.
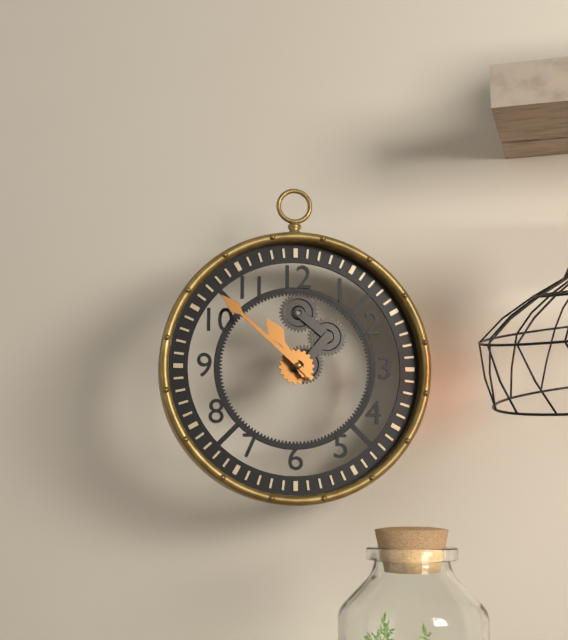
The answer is 10h52
